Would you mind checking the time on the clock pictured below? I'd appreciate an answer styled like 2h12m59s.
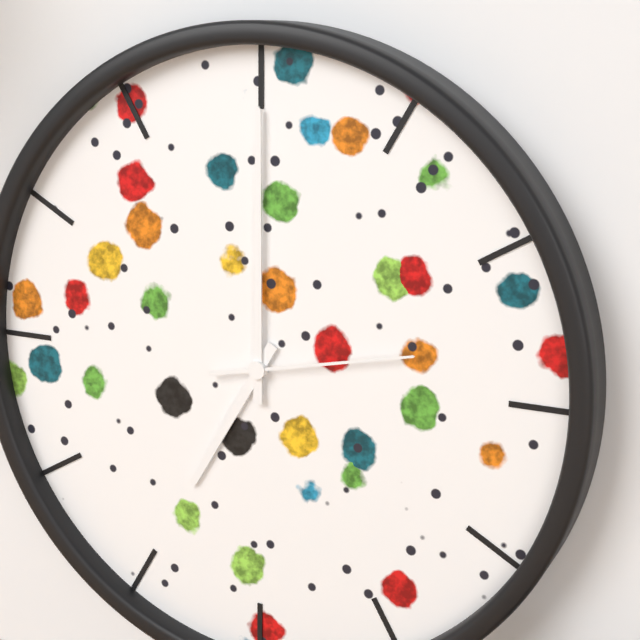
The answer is 7h00m13s
